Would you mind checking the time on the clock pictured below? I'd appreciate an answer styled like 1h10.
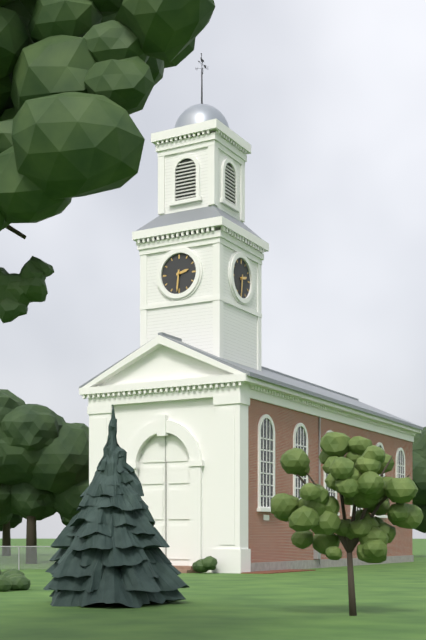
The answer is 2h31
